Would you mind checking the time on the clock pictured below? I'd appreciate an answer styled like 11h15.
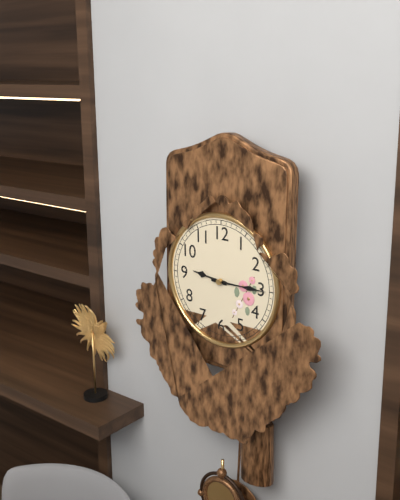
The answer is 9h15
